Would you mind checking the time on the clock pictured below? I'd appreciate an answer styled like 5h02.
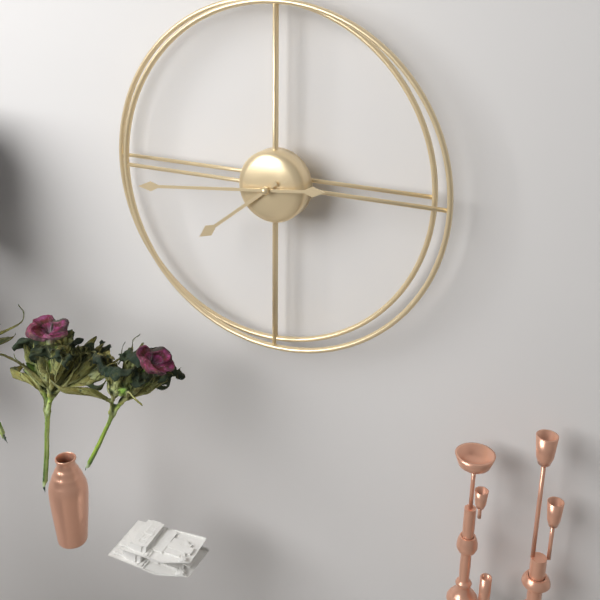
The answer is 7h44
